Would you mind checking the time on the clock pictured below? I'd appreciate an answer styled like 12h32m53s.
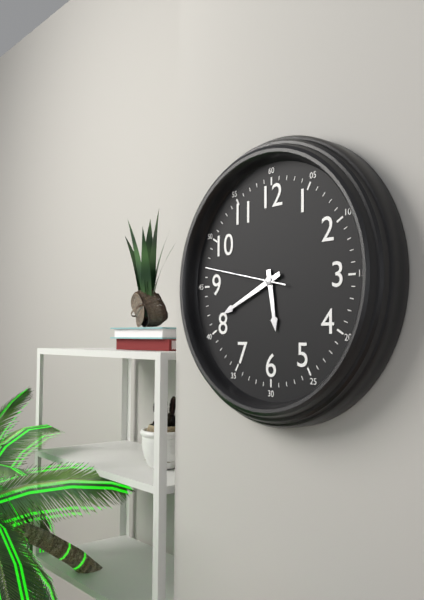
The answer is 5h41m47s
